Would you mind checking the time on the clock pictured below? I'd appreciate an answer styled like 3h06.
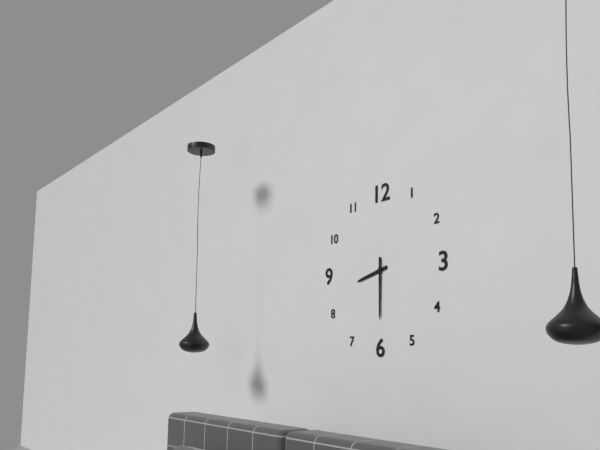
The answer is 8h30
